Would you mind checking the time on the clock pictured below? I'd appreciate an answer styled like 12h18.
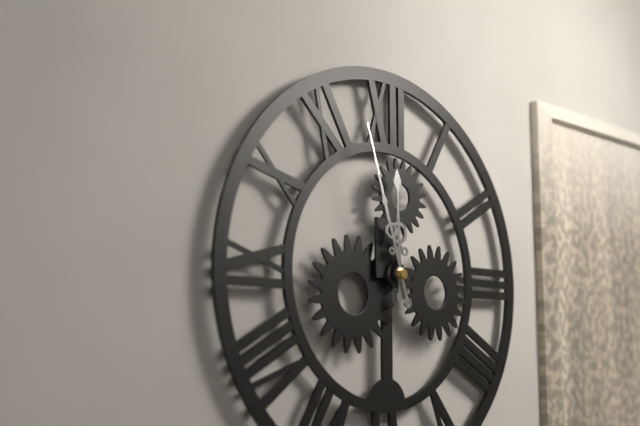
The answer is 11h57
